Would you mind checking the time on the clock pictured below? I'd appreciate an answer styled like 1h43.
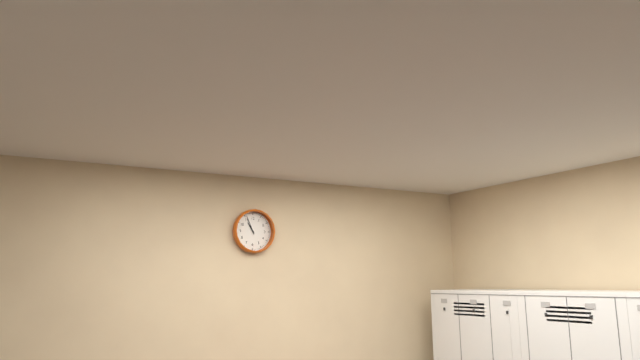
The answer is 10h56
